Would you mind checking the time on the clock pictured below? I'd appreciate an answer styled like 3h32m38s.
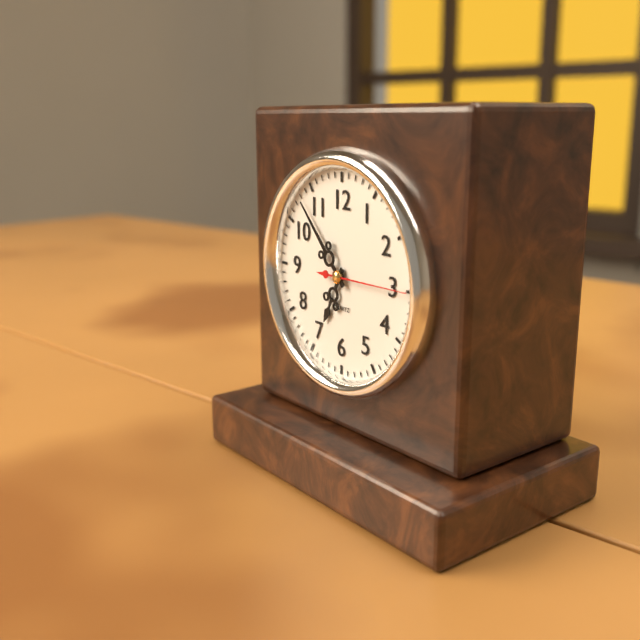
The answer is 6h53m15s
